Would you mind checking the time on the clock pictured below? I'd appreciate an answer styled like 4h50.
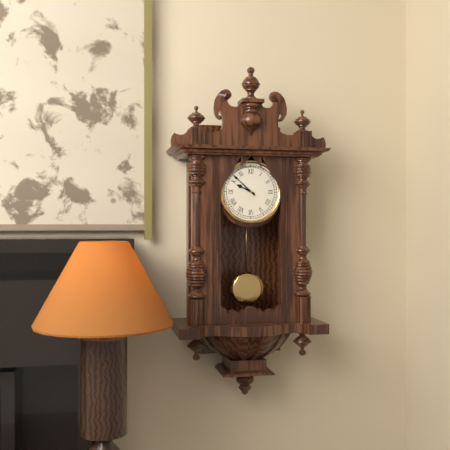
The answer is 9h52
